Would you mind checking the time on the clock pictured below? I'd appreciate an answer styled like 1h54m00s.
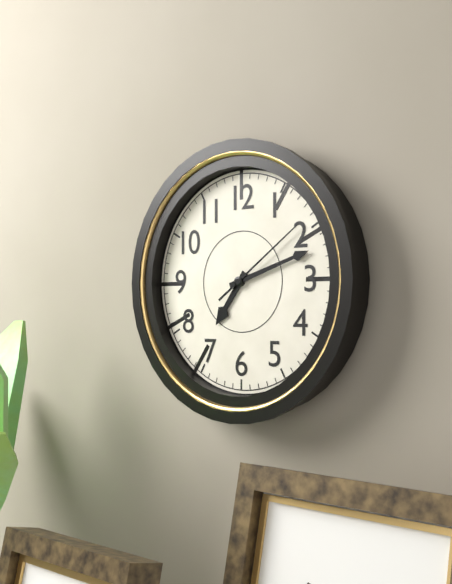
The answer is 7h12m09s
